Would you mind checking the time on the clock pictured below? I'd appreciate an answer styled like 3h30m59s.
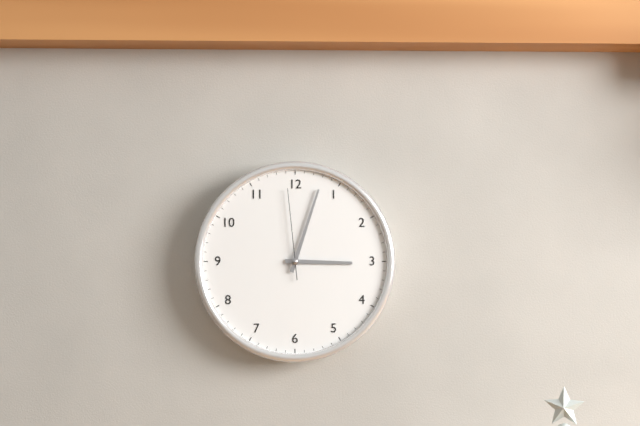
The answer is 3h03m59s
